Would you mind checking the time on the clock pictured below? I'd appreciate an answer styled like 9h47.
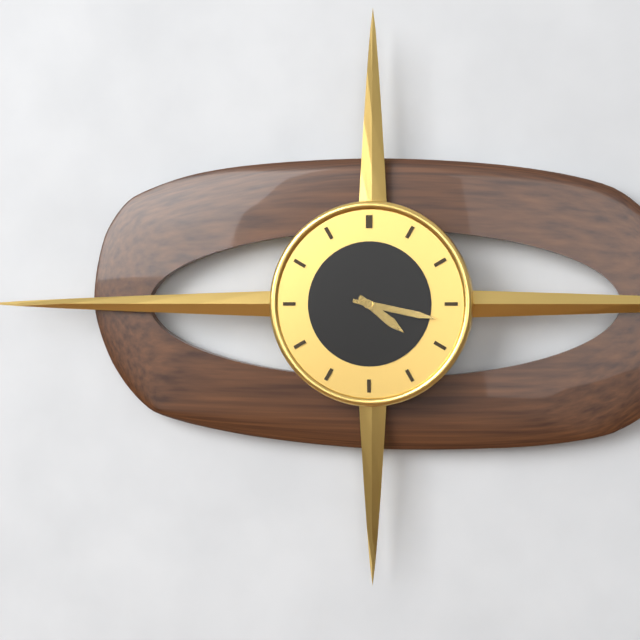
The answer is 4h17
